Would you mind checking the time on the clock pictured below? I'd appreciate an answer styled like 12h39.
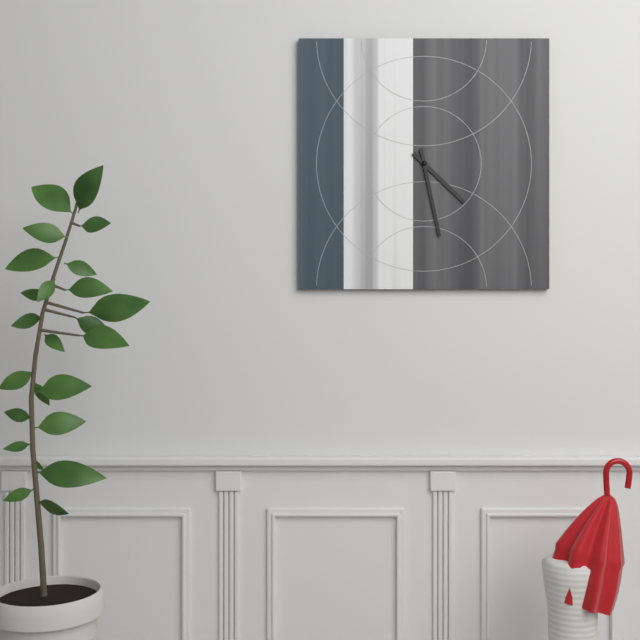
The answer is 4h28
